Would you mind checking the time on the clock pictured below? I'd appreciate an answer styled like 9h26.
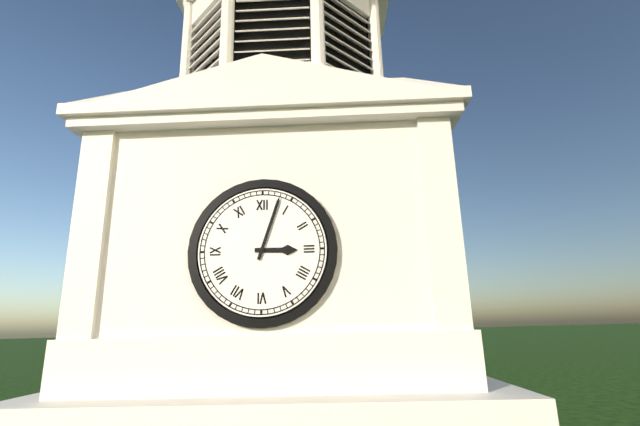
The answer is 3h03
